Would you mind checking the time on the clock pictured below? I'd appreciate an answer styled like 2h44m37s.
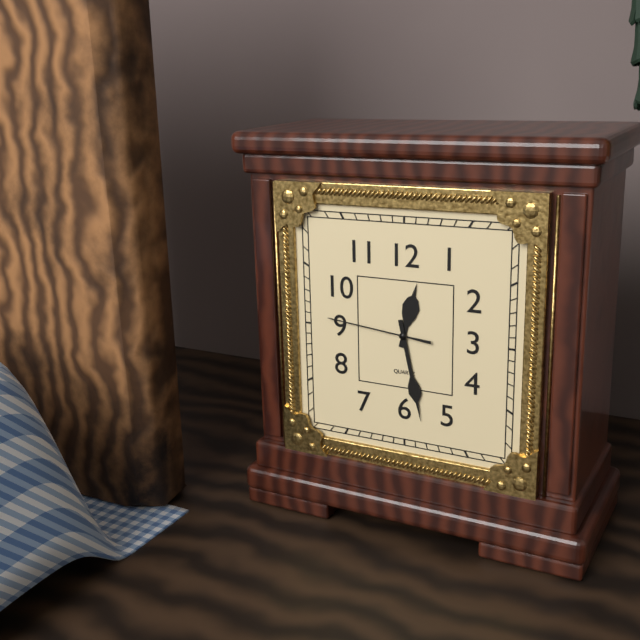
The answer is 12h28m46s
